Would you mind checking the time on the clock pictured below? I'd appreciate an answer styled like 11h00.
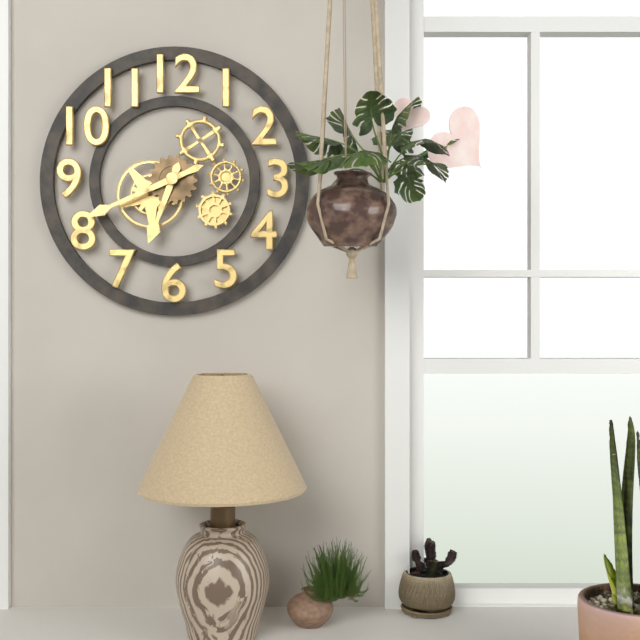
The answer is 6h41
